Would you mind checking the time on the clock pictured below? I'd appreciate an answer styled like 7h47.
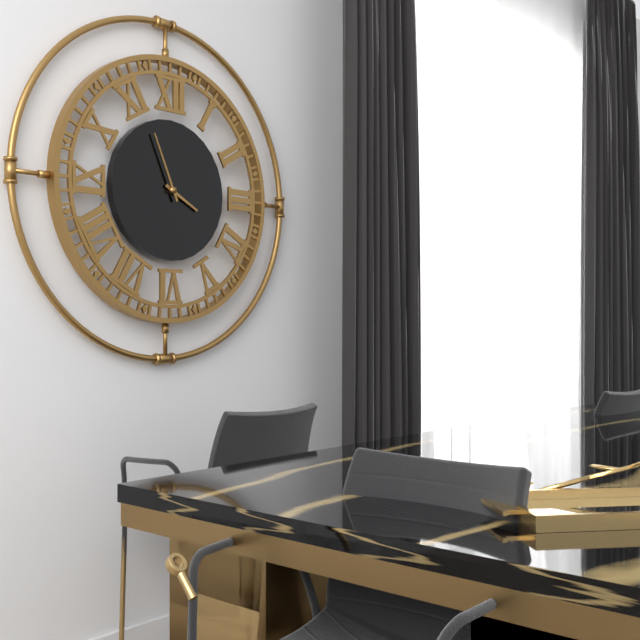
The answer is 3h56
